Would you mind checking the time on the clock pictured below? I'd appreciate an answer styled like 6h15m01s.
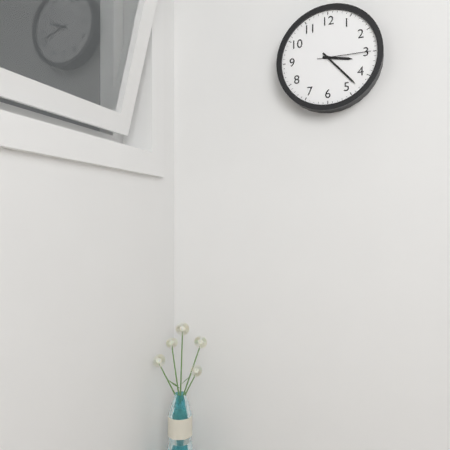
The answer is 3h23m15s
